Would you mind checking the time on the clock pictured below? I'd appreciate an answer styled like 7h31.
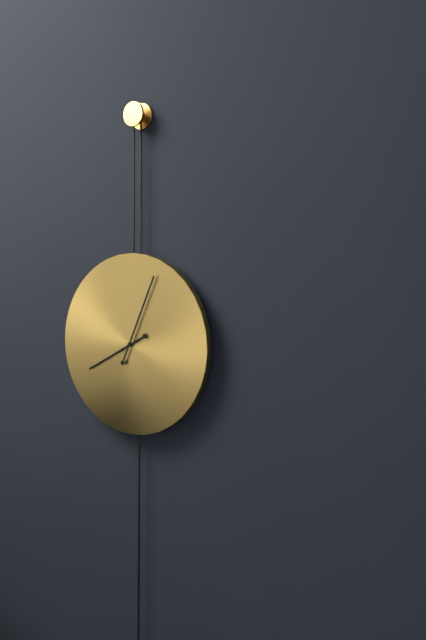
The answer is 8h04
